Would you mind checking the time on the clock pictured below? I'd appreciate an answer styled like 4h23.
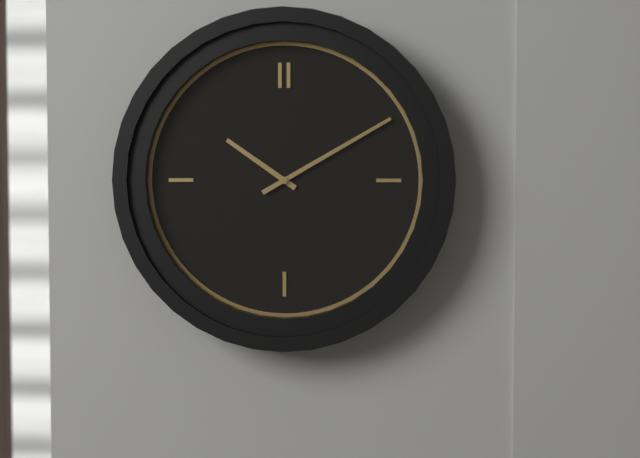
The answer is 10h10
